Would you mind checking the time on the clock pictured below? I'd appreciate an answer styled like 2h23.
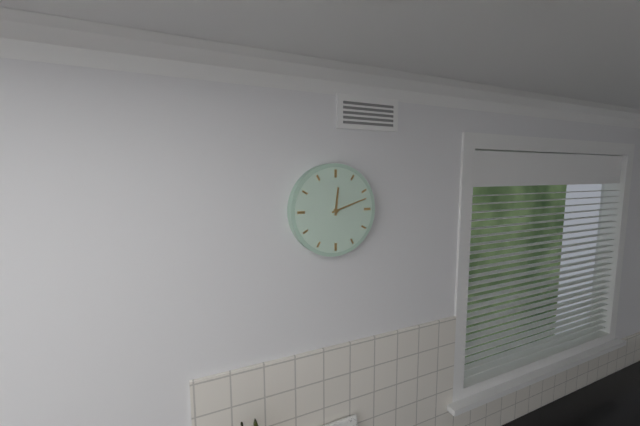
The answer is 12h12
